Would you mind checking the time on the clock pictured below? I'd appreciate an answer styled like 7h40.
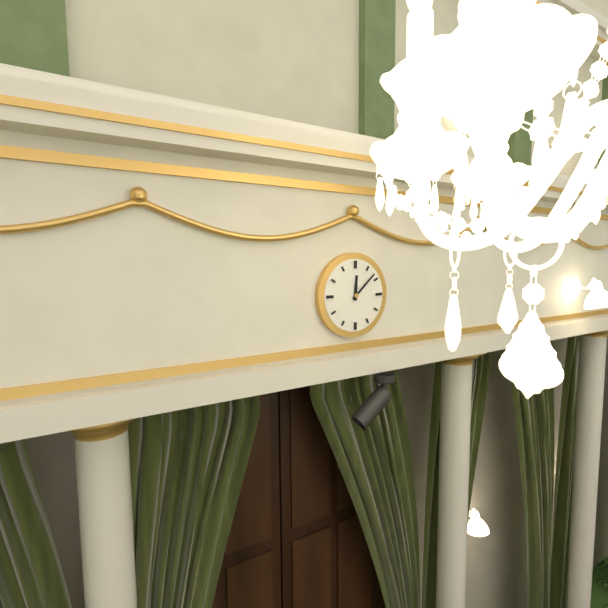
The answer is 12h08
